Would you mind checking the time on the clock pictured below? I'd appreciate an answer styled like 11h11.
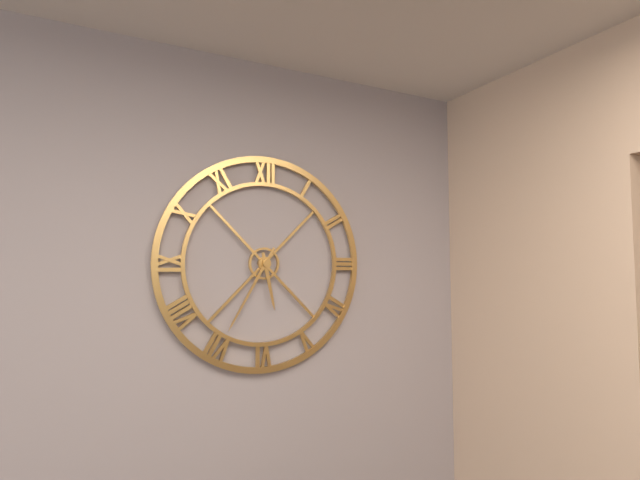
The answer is 5h35
